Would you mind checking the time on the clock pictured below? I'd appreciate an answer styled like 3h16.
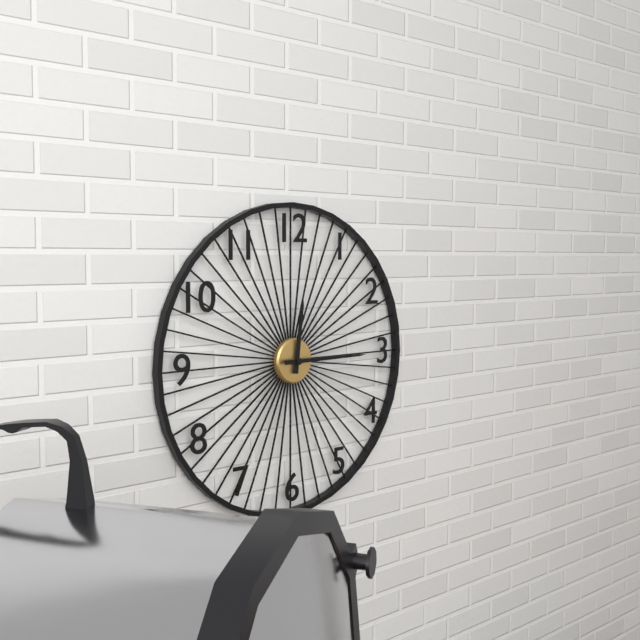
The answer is 12h15
